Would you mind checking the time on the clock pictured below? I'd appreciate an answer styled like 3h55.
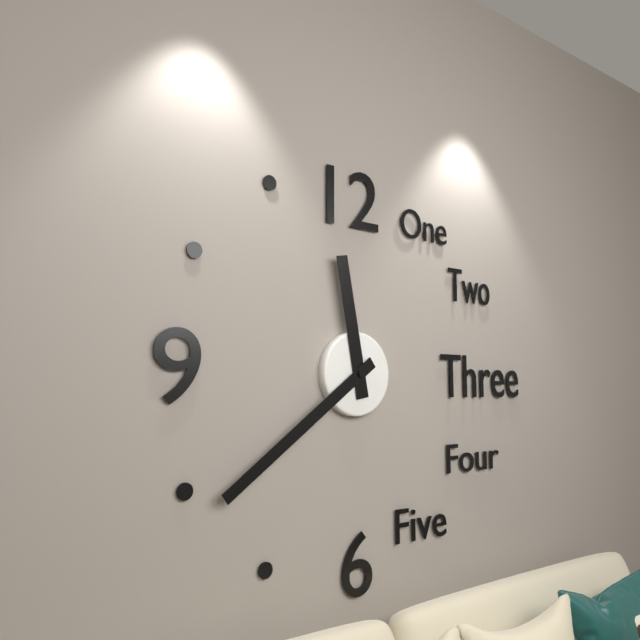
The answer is 11h39
